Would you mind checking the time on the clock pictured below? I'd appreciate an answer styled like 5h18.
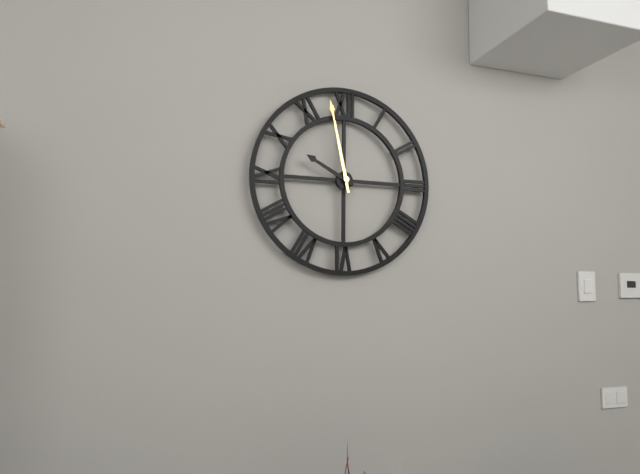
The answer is 9h58
